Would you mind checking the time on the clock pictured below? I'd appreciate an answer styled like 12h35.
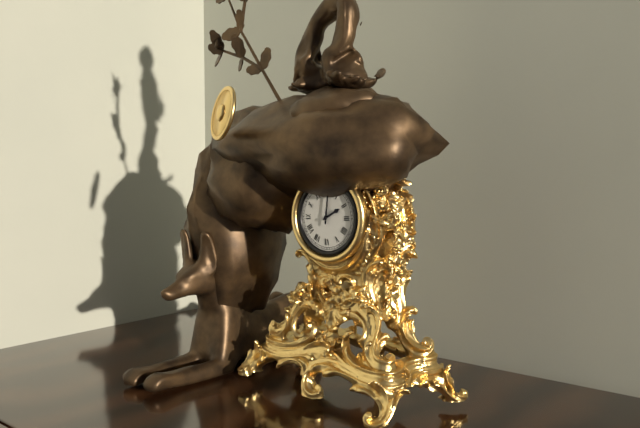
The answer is 2h01
